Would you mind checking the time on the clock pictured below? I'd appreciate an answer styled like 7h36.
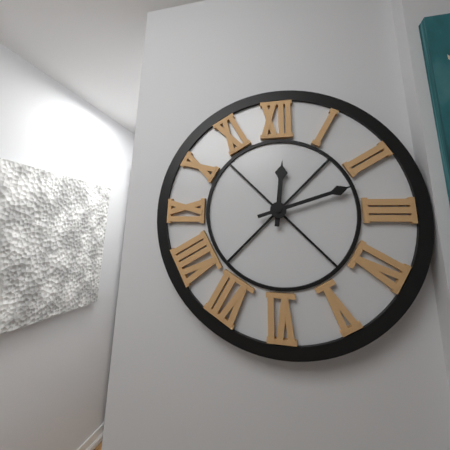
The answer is 12h12
